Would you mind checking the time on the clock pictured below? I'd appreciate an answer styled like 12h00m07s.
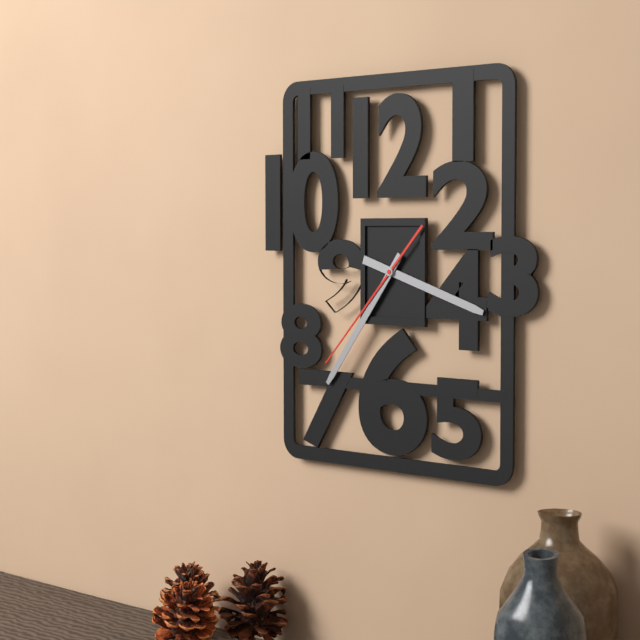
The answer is 3h36m37s
